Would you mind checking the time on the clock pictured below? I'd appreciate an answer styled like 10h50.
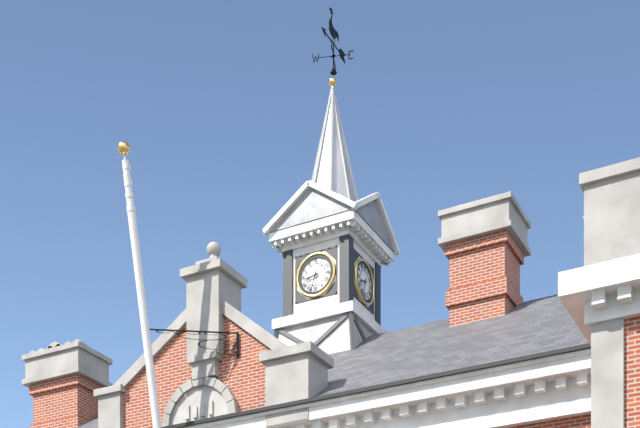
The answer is 8h33
